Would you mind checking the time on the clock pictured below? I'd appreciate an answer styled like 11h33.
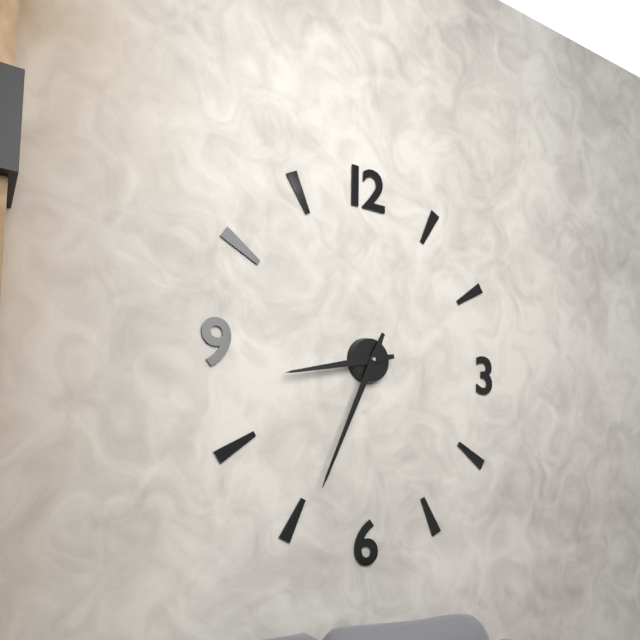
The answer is 8h34
